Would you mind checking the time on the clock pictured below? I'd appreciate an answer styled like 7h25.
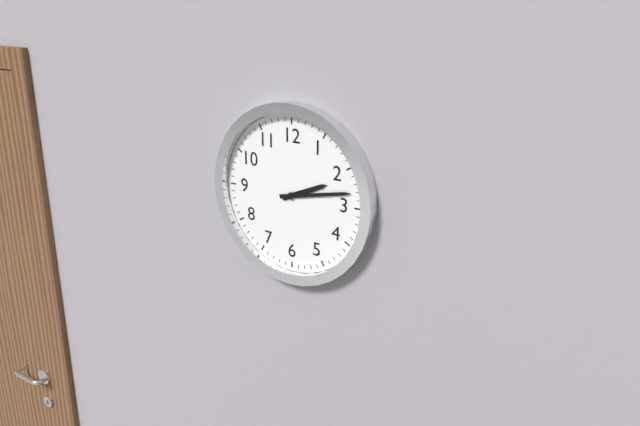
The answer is 2h13
